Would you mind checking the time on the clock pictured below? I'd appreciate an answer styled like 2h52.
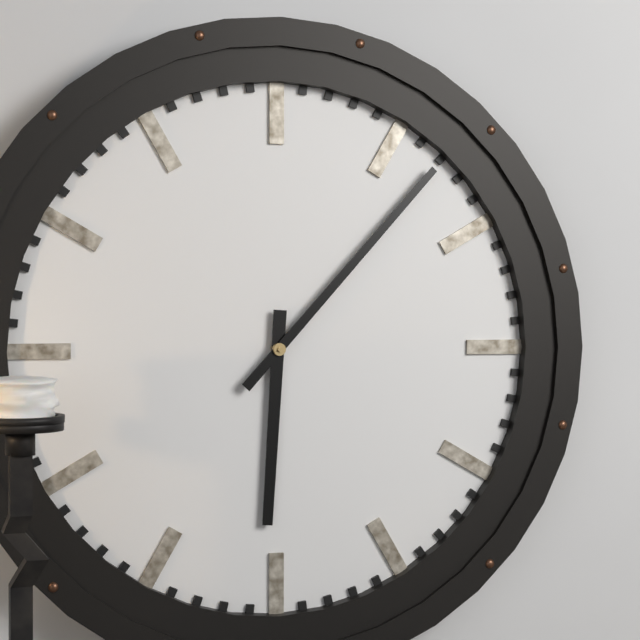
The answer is 6h07
